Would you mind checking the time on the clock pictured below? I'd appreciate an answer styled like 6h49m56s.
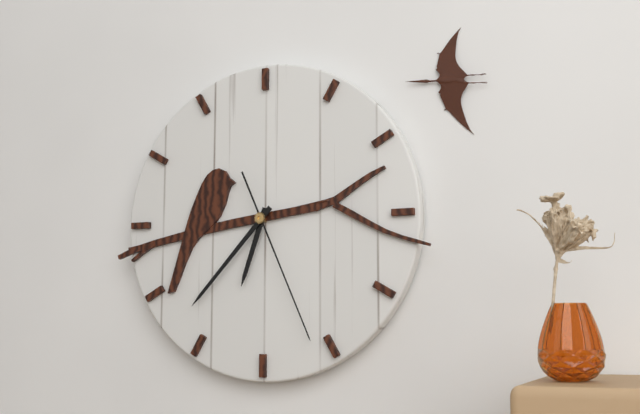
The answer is 6h37m26s
